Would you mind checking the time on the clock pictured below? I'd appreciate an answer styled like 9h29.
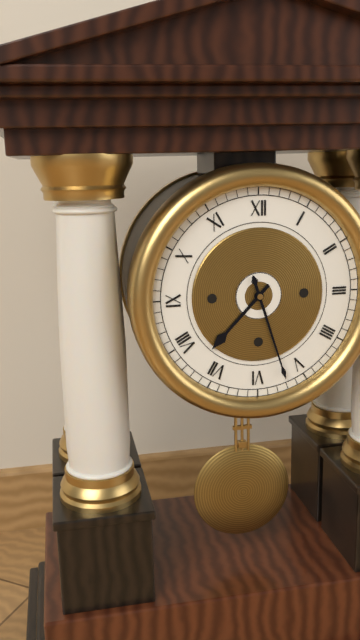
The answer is 7h27
